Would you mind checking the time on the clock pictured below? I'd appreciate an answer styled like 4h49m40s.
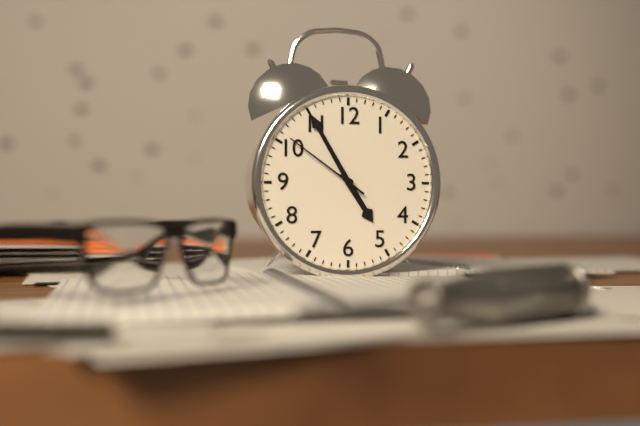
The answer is 4h55m51s
